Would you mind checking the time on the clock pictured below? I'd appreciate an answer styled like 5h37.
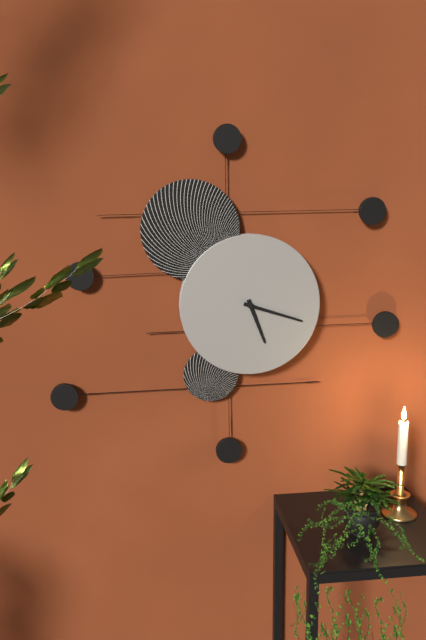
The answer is 5h18
